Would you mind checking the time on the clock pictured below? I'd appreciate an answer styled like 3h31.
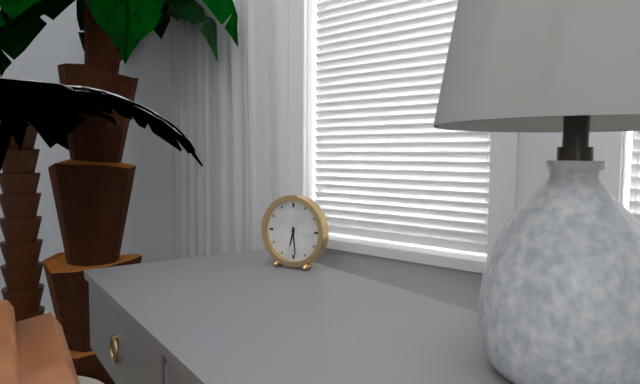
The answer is 6h29
